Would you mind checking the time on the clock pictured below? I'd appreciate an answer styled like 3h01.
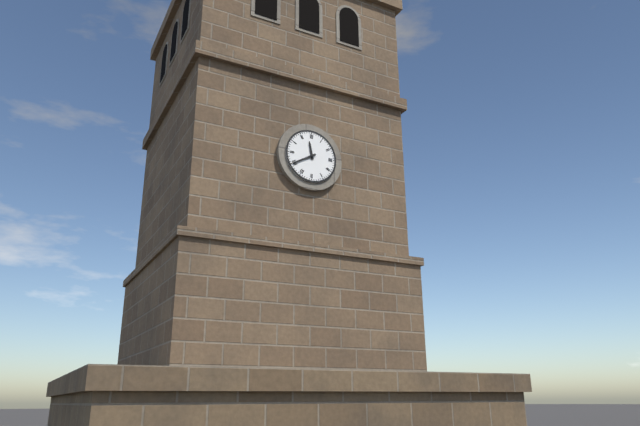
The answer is 11h40
